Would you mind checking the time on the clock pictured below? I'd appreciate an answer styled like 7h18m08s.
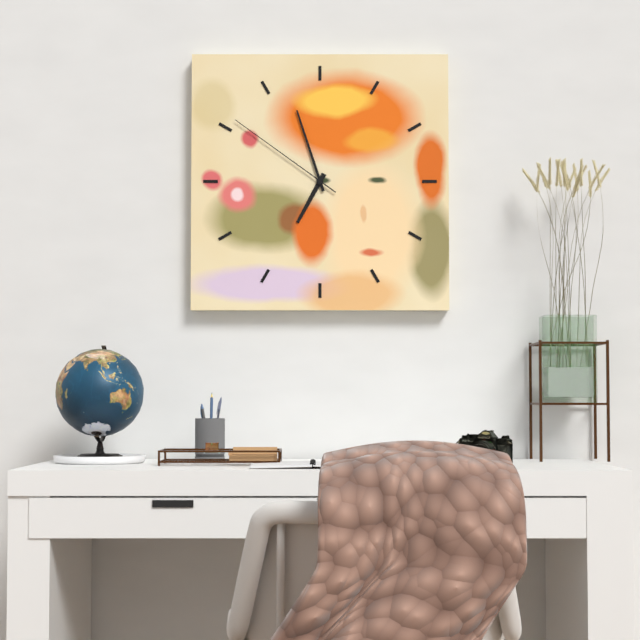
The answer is 6h57m51s
